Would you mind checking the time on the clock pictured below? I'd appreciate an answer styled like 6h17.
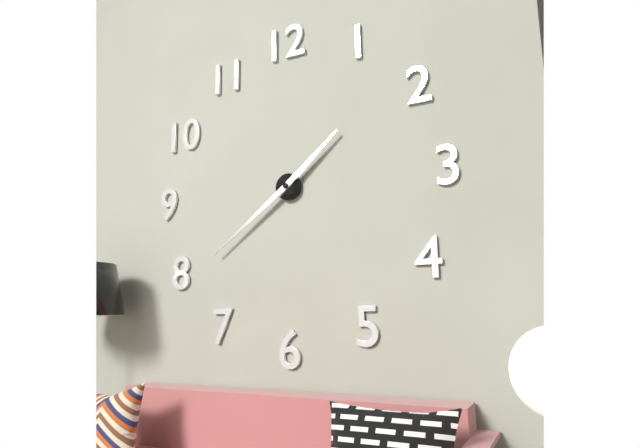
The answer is 1h39
